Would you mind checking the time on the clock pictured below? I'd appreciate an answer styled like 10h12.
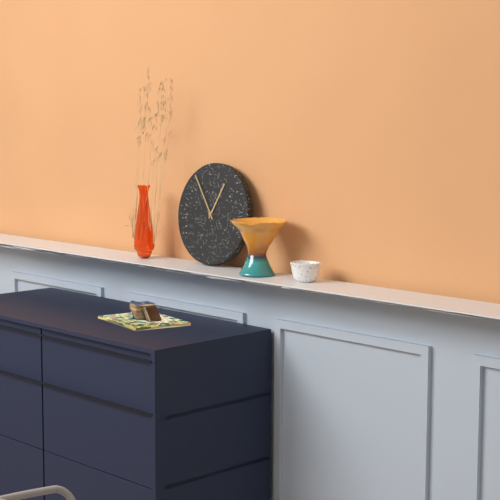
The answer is 12h54
